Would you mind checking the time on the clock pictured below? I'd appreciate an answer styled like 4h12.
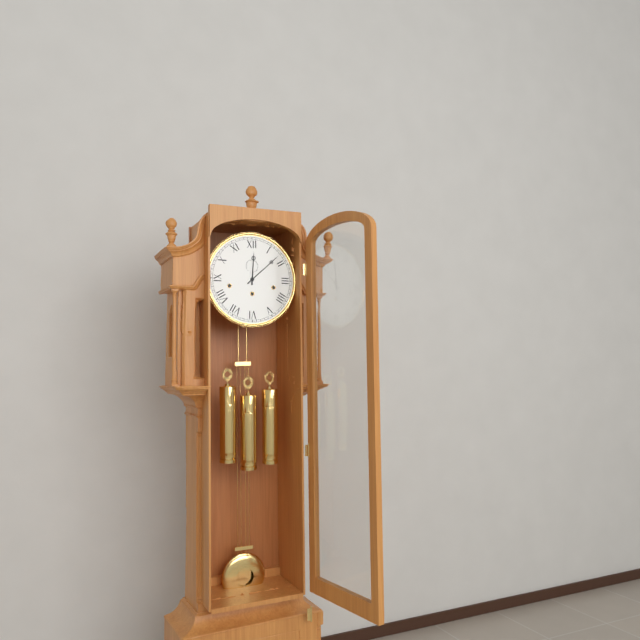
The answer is 12h08
